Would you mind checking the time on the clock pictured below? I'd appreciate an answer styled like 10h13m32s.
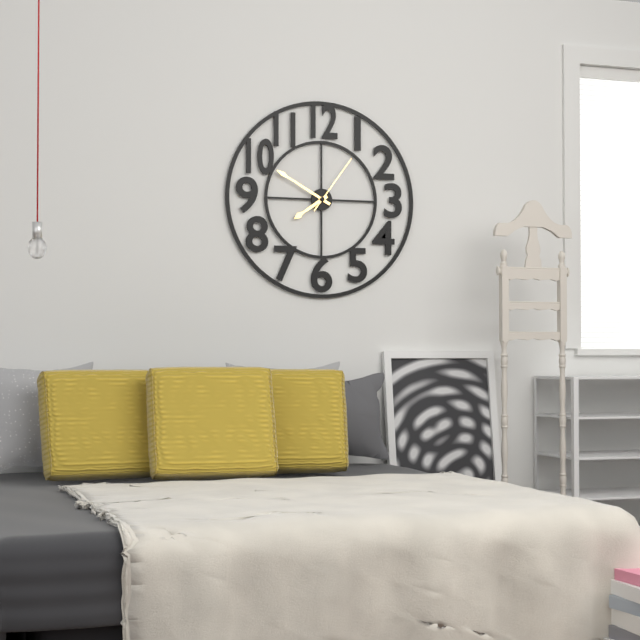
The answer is 7h50m06s
